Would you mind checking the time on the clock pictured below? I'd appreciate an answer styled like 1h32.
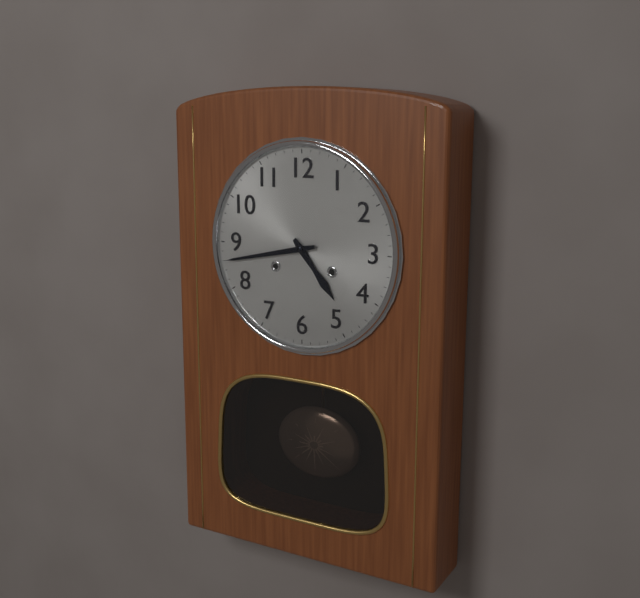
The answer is 4h43
